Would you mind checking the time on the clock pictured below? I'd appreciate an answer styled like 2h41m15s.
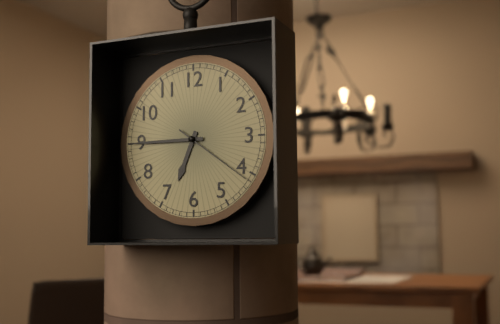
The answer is 6h45m21s
